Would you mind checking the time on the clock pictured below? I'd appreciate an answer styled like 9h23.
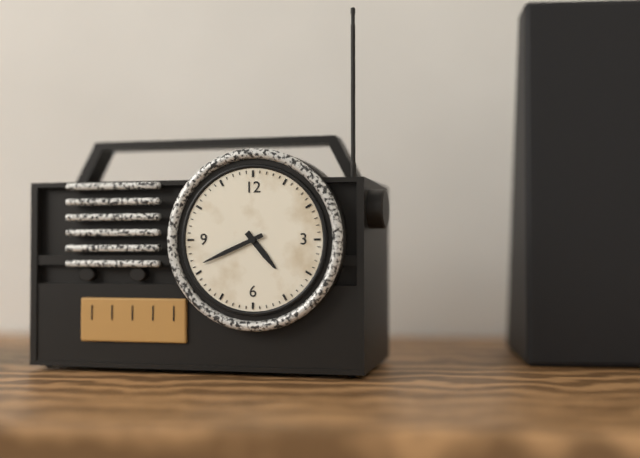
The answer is 4h41
